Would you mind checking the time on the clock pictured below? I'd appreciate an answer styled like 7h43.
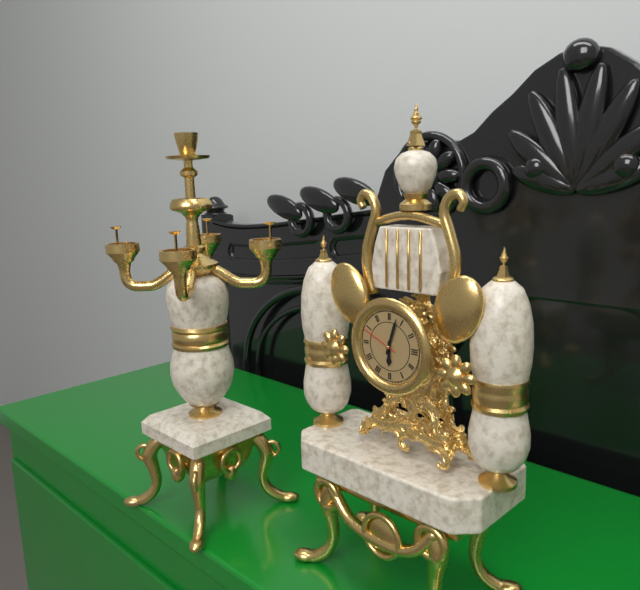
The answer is 6h03
